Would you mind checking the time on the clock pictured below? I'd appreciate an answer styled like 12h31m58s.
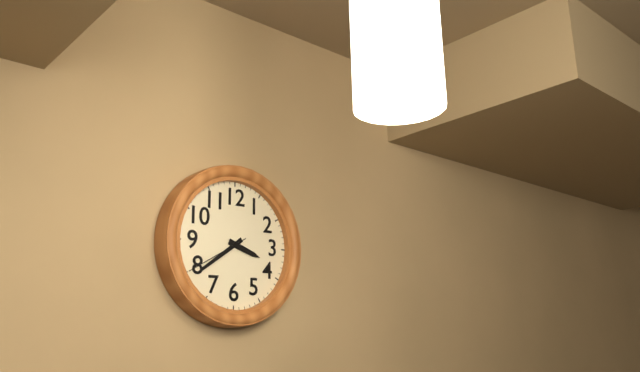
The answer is 3h39m40s
